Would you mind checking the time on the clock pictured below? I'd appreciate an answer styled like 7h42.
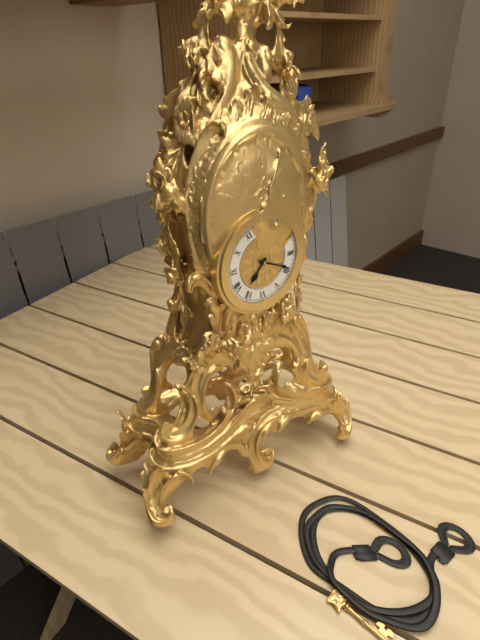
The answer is 7h19
